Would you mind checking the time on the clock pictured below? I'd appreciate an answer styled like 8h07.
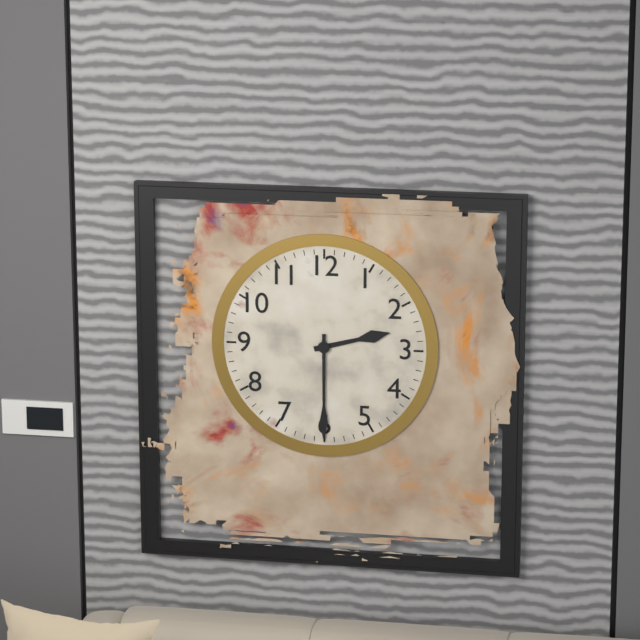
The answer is 2h30
